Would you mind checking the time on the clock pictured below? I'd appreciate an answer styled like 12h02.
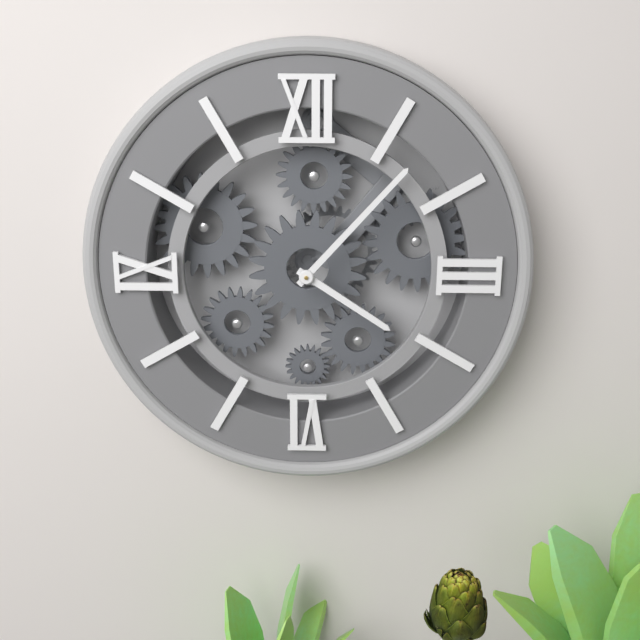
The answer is 4h07
